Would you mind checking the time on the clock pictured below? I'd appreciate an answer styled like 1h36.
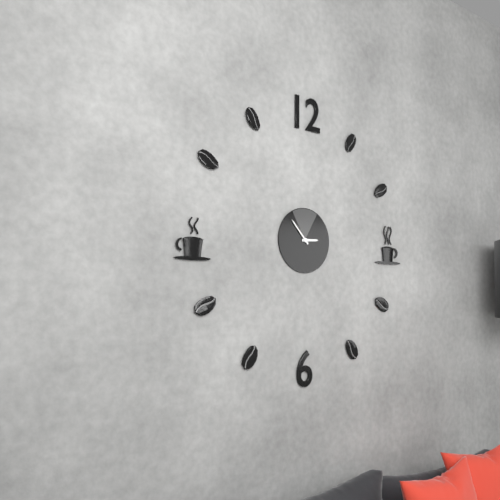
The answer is 2h53
